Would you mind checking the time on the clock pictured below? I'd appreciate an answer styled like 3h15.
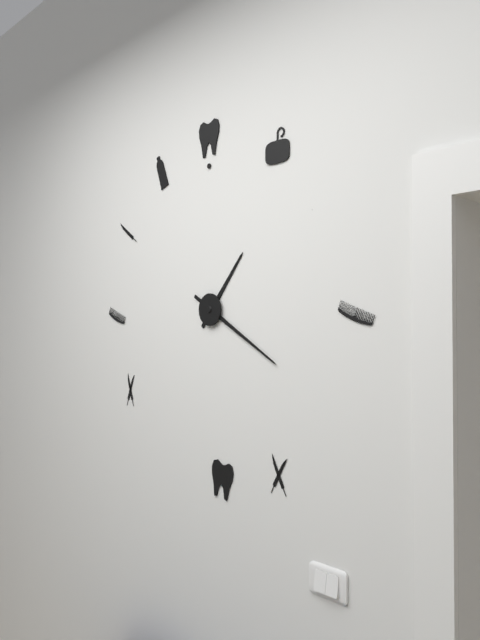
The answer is 1h20
